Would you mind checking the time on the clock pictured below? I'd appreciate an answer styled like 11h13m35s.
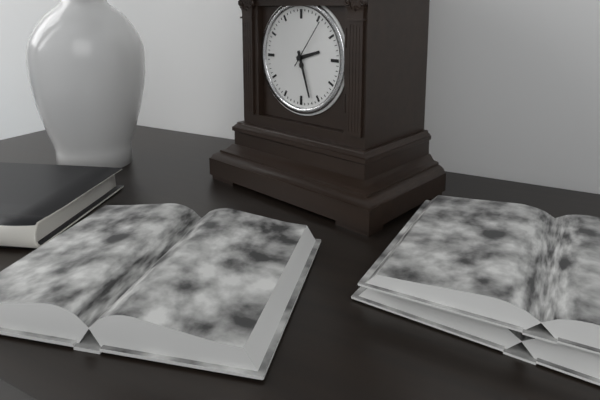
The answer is 2h27m06s
